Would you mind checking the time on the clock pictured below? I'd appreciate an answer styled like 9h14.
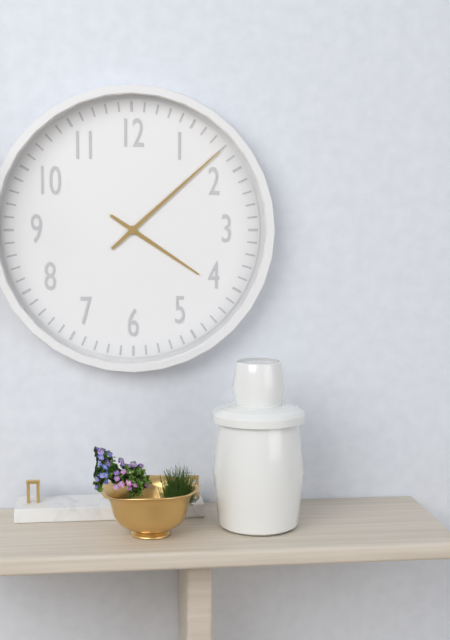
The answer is 4h08
